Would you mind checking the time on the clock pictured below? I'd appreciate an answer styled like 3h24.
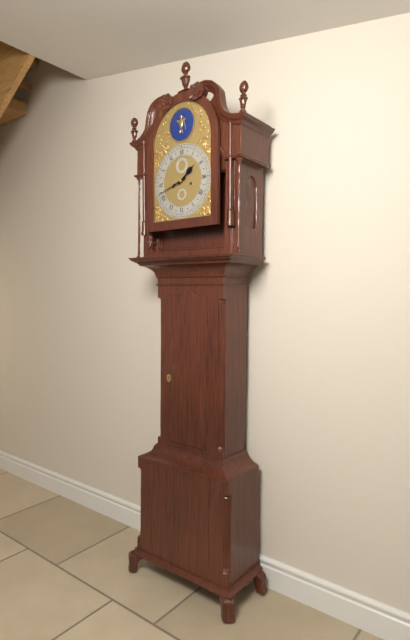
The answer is 1h42
